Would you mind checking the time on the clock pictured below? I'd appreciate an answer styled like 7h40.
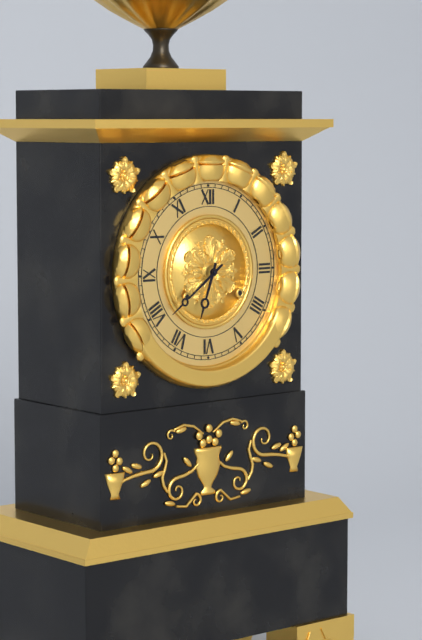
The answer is 6h39
